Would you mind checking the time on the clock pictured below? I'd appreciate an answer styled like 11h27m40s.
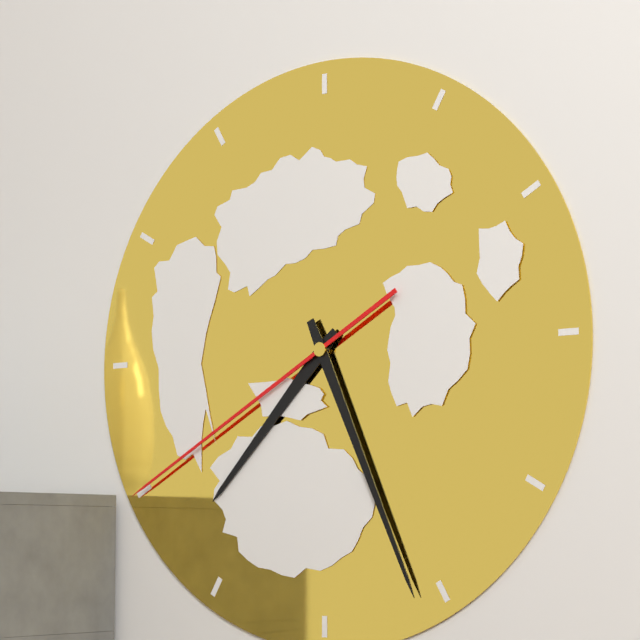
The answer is 7h26m40s
